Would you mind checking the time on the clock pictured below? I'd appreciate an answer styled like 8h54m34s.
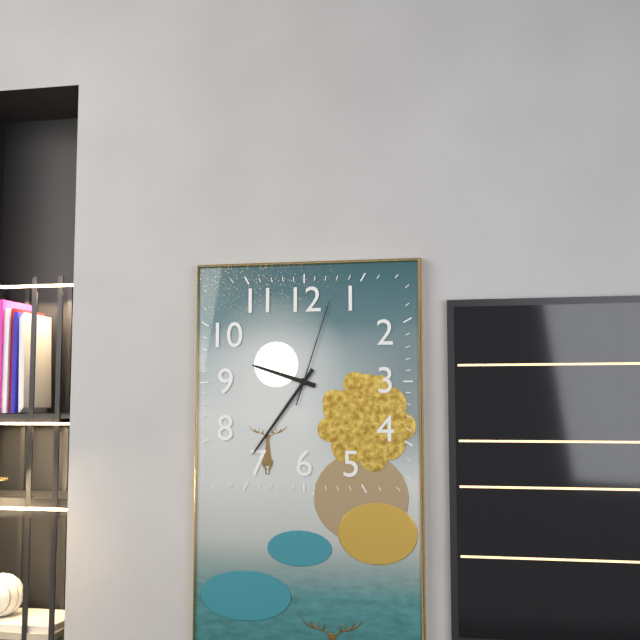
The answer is 9h36m03s
